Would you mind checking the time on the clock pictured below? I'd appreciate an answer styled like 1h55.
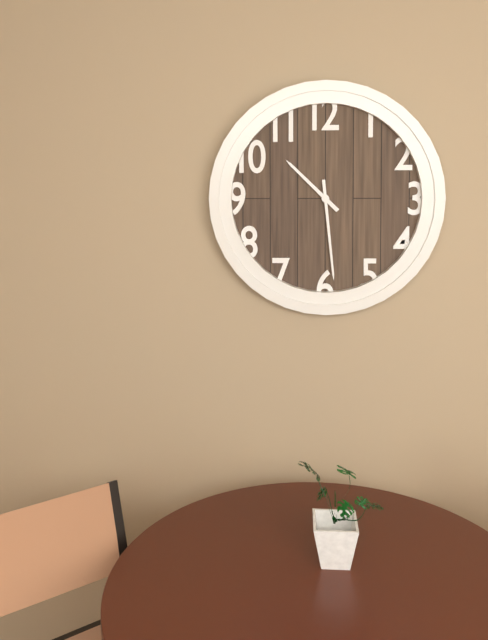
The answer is 10h29
